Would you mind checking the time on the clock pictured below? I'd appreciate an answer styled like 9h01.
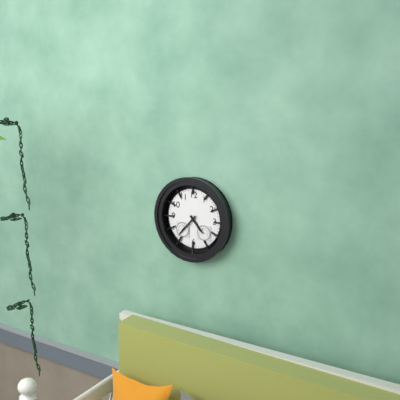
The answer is 4h37
